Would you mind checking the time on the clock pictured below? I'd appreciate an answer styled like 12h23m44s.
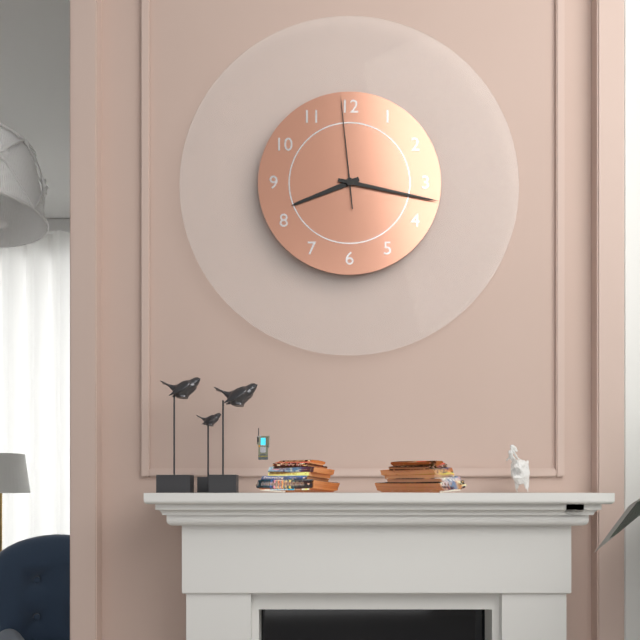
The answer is 8h17m59s
